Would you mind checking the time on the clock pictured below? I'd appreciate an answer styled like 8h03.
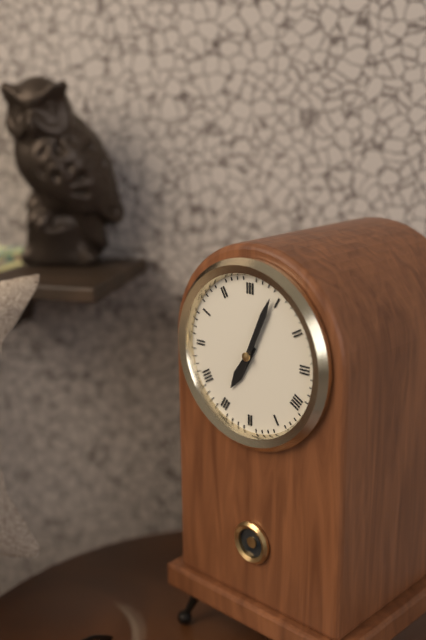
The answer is 7h04
